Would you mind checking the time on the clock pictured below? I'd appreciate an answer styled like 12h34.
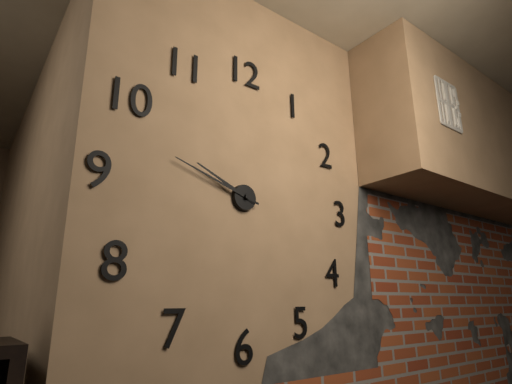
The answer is 9h48
